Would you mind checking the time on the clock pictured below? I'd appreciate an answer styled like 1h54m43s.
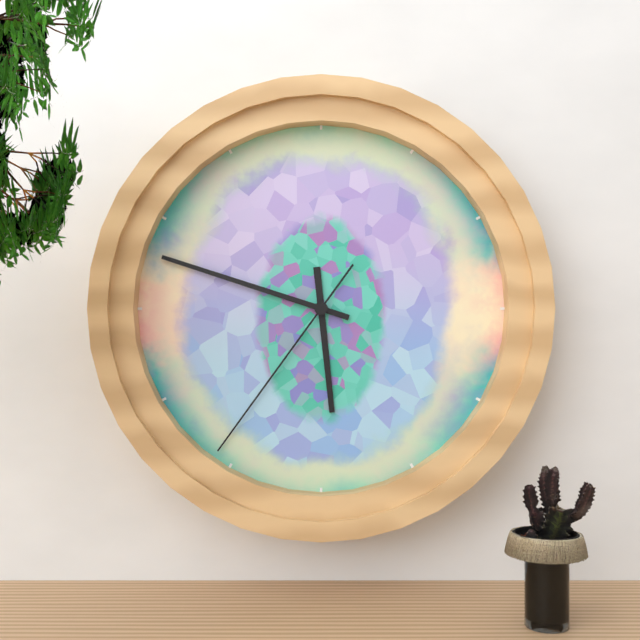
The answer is 5h48m36s
